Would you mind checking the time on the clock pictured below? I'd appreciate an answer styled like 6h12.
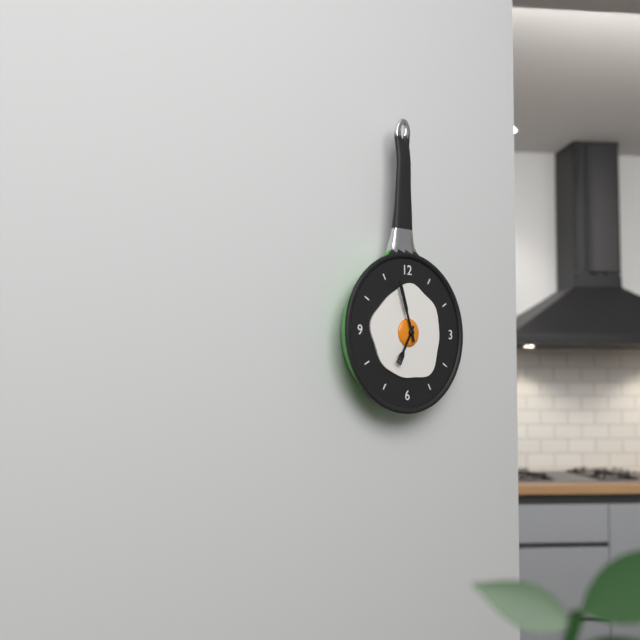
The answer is 6h57
